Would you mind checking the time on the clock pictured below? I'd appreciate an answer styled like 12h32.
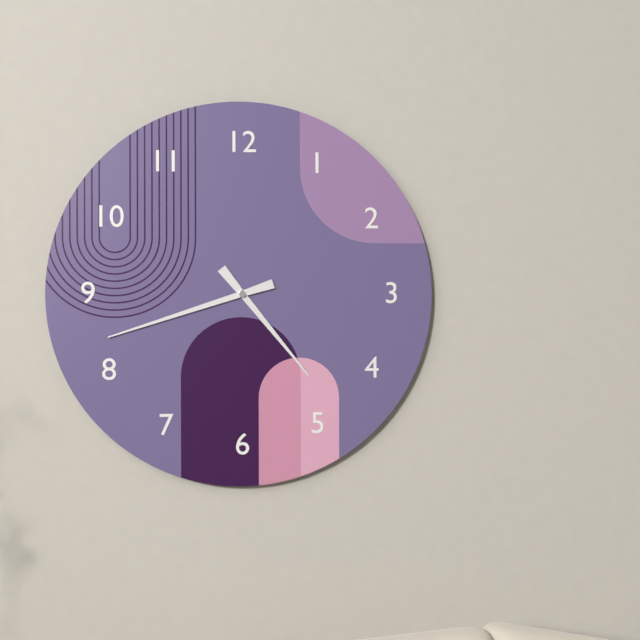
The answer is 4h42
